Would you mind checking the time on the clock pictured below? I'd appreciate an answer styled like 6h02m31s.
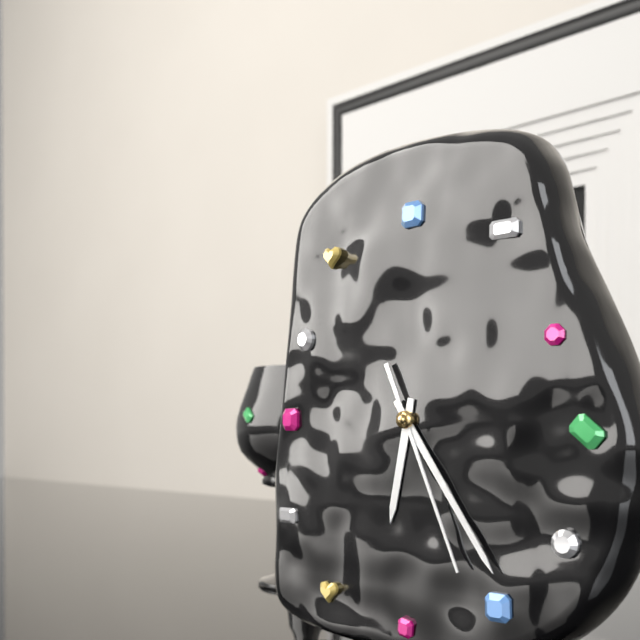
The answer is 6h24m26s
